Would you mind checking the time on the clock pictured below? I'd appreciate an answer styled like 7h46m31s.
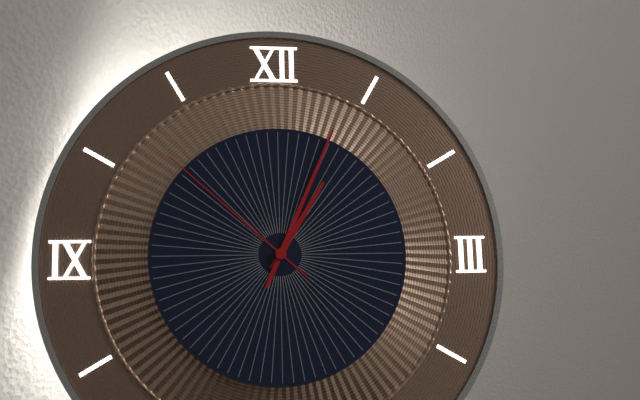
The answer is 1h04m52s
